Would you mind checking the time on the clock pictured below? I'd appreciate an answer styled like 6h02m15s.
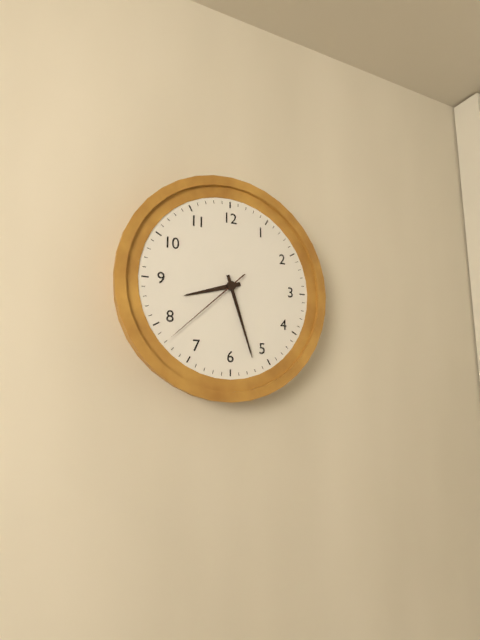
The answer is 8h27m38s
